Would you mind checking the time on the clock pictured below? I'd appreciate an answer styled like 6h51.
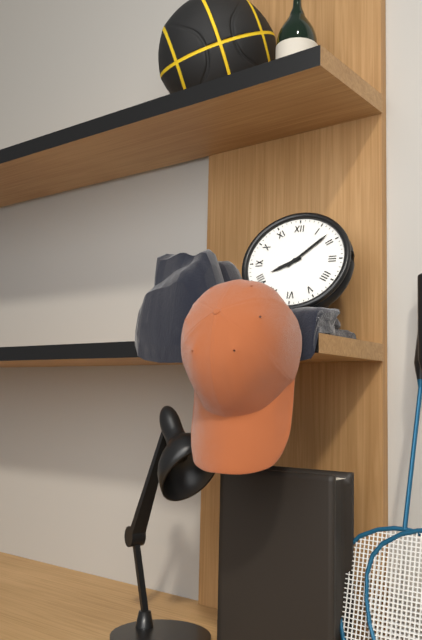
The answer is 8h08
